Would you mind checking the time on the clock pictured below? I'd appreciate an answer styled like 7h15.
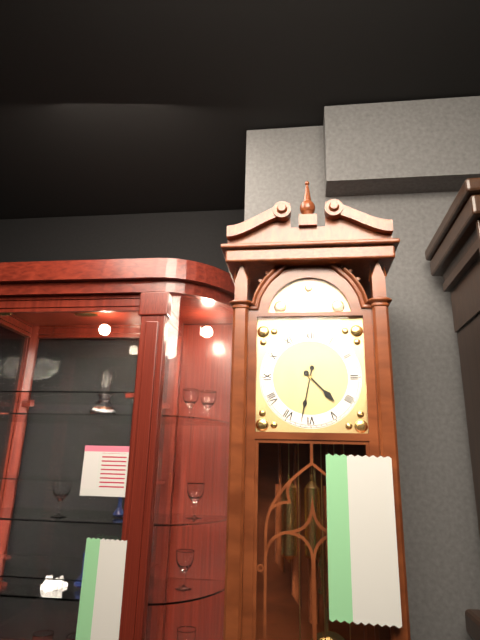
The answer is 4h32
